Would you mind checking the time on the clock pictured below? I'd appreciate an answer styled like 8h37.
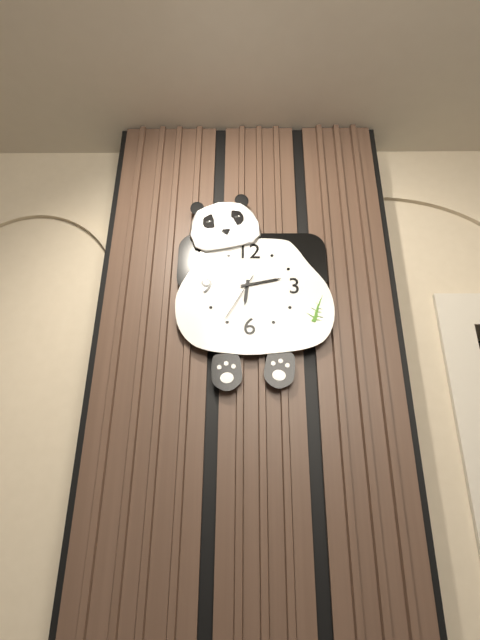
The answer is 6h13
